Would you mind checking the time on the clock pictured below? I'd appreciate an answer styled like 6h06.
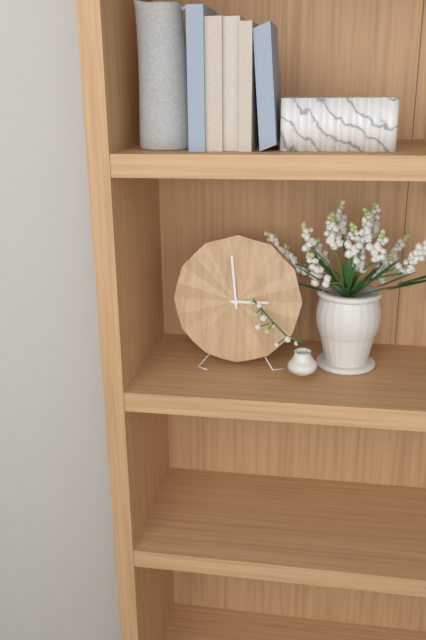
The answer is 2h59
